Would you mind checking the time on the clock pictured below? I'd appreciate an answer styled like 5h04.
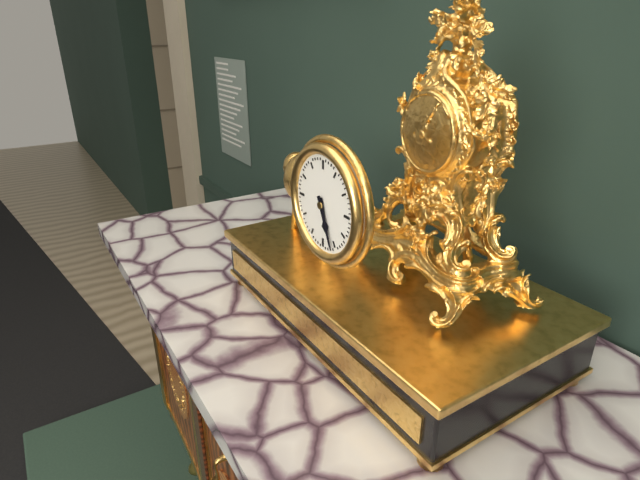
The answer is 5h26
